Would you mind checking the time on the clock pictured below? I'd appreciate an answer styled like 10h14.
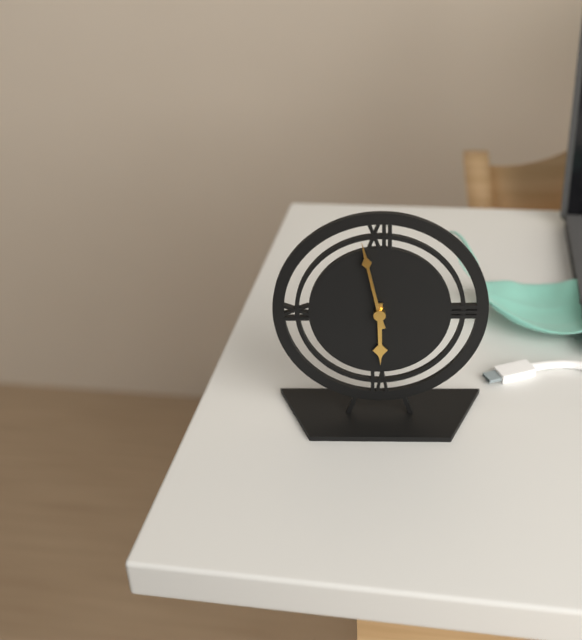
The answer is 5h58
